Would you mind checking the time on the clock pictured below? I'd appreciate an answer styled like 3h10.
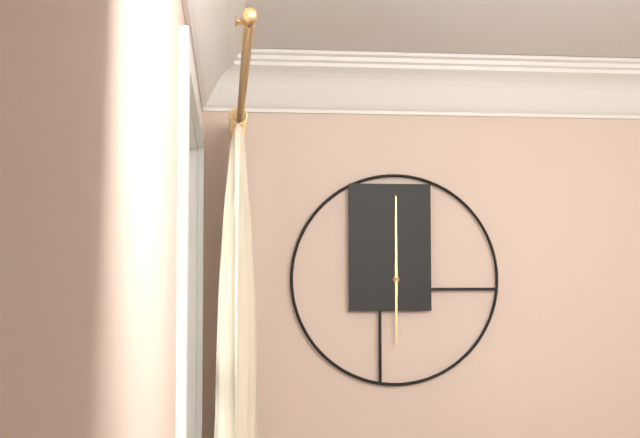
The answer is 6h00
